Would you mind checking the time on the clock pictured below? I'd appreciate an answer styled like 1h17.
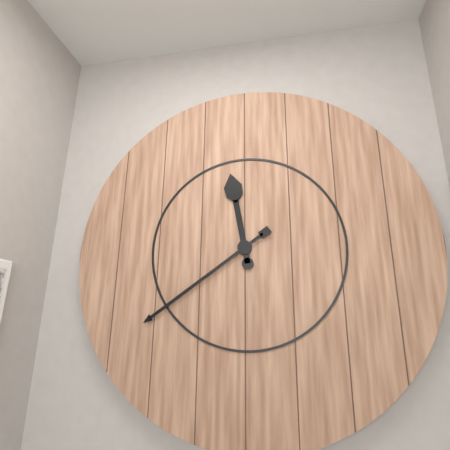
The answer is 11h39
